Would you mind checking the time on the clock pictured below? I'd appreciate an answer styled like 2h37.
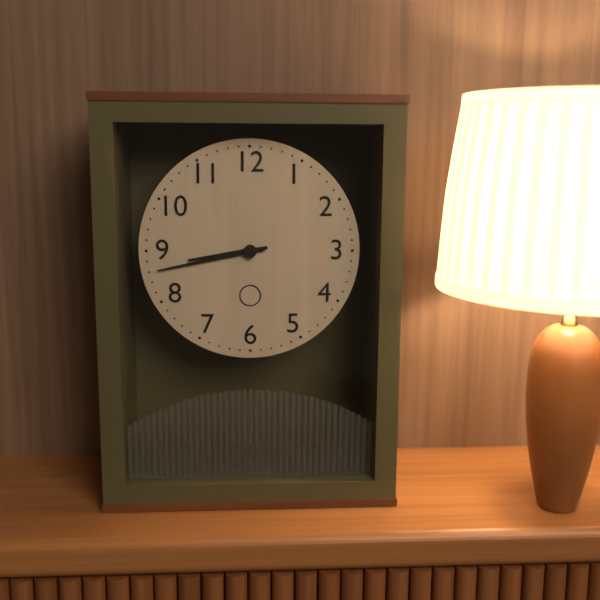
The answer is 8h43
